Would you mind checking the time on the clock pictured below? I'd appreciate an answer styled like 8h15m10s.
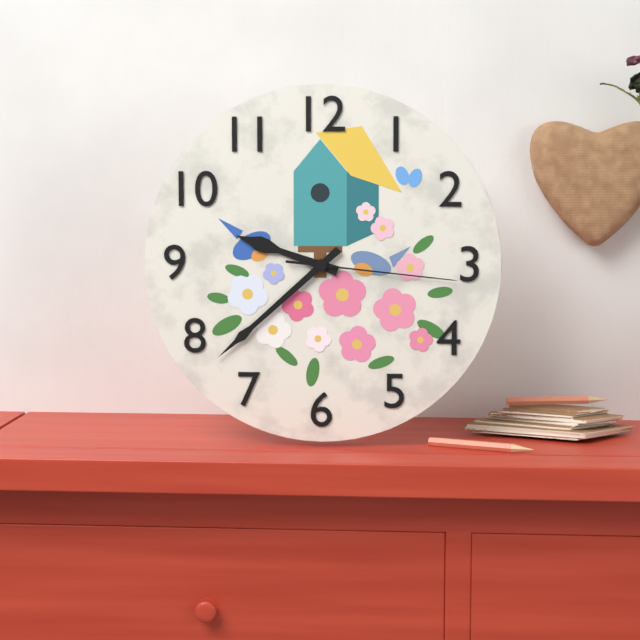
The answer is 9h38m16s
